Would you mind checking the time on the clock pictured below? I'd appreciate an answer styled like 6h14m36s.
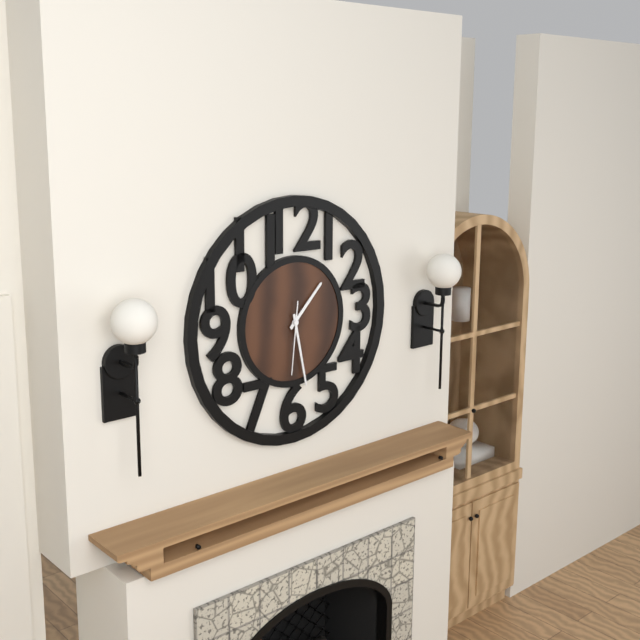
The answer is 1h28m31s
